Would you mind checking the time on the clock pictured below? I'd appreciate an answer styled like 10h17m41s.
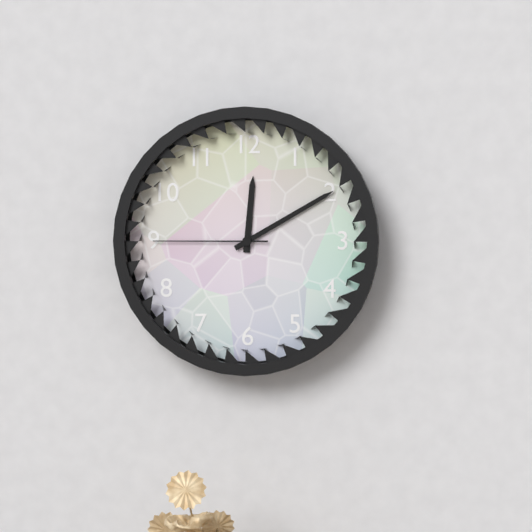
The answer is 12h10m45s
